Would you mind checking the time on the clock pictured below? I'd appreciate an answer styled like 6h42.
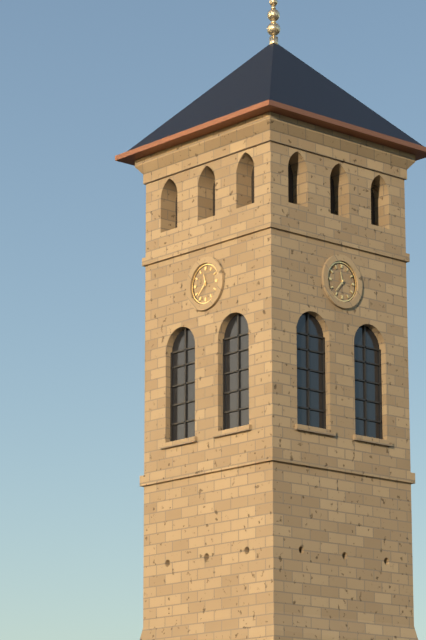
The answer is 11h37
